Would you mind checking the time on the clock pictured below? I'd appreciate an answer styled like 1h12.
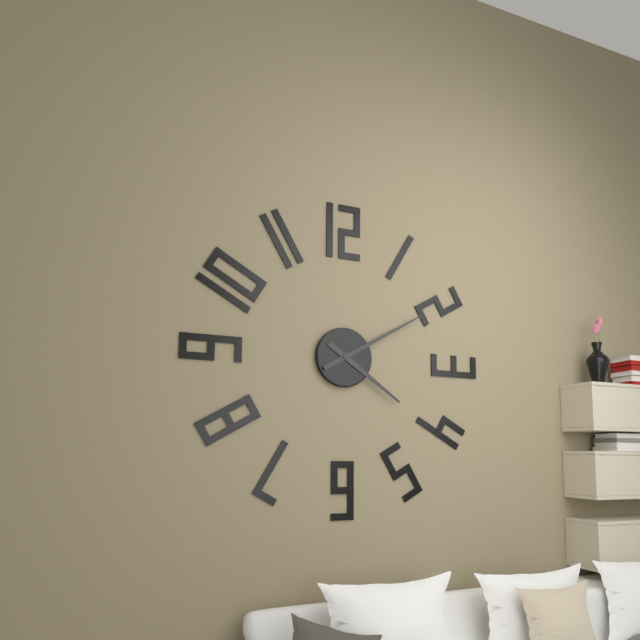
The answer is 4h10
